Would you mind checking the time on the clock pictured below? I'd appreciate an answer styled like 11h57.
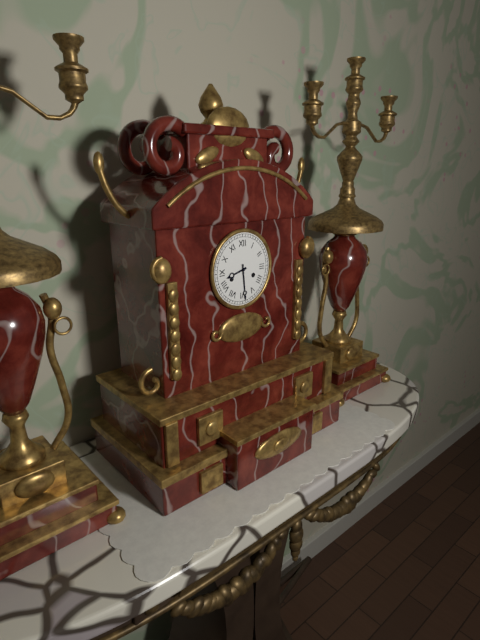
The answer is 8h29
